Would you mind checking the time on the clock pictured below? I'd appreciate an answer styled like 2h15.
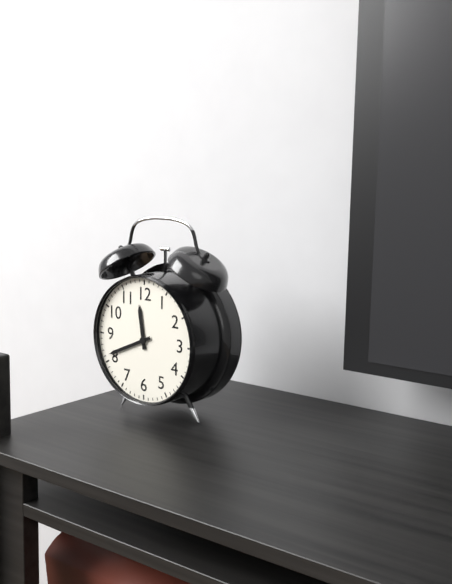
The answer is 11h41
